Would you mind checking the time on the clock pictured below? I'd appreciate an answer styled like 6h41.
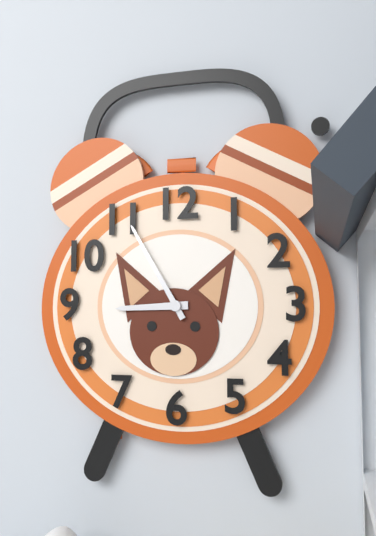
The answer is 8h55
